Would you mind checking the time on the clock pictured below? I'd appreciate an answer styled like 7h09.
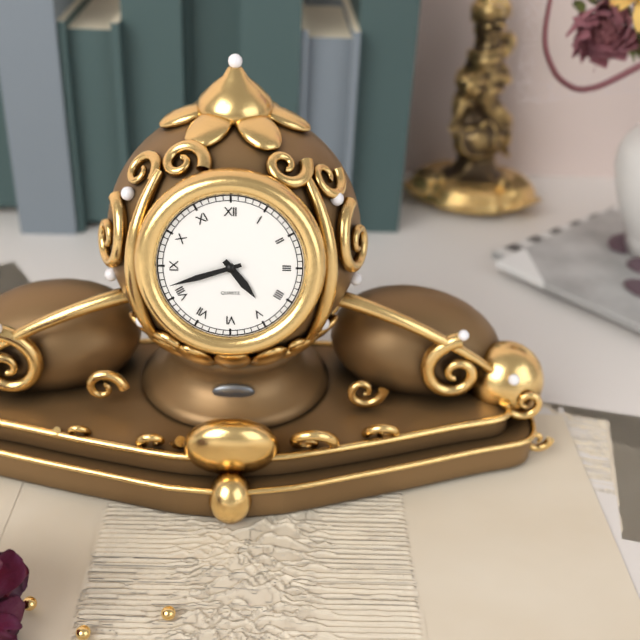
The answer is 4h42
